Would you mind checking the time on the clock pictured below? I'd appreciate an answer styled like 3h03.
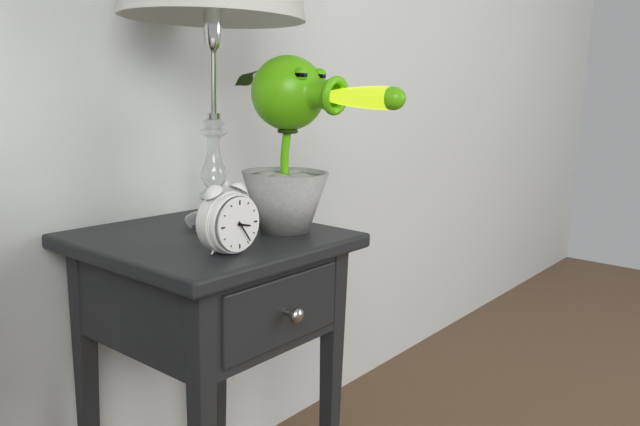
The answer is 3h24
